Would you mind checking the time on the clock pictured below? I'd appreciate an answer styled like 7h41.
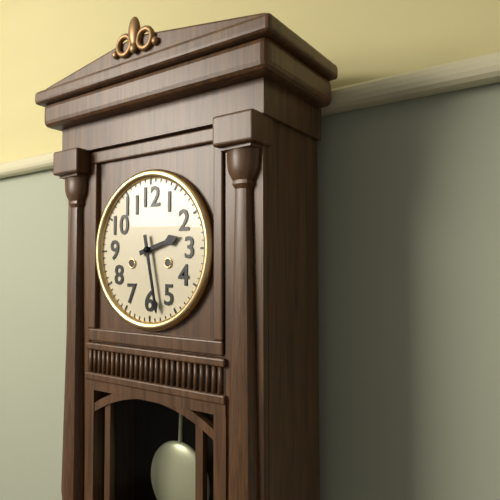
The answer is 2h28
